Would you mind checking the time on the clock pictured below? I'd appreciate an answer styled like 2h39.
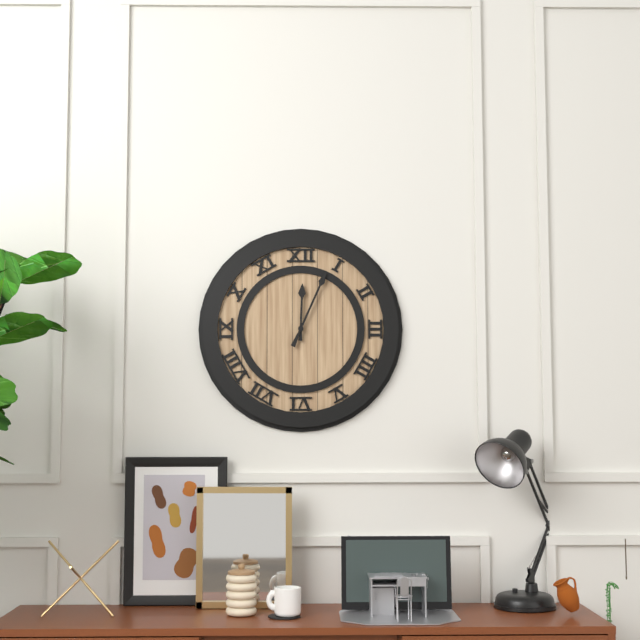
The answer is 12h04
